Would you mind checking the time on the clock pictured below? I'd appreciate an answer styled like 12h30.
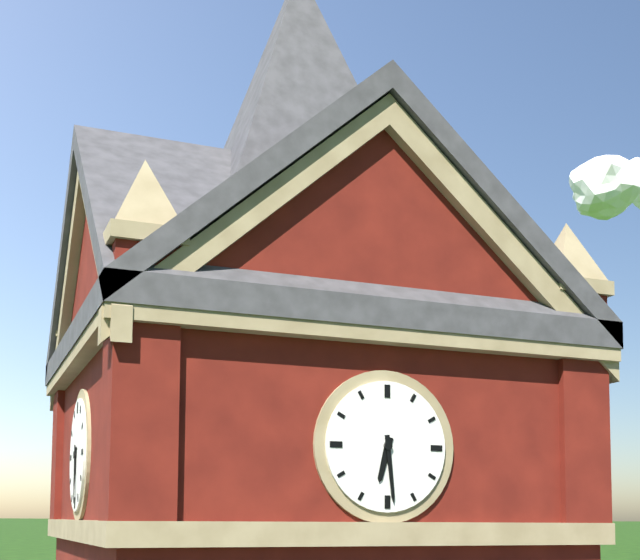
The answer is 6h29
